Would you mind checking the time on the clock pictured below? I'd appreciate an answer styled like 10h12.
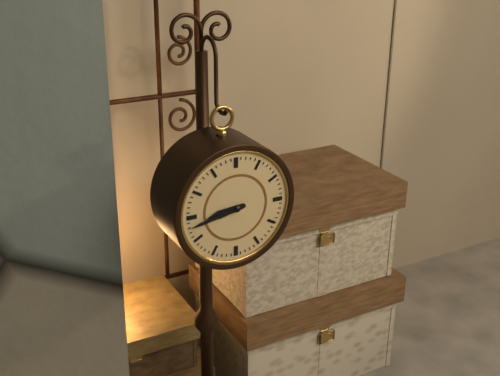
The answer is 8h43
